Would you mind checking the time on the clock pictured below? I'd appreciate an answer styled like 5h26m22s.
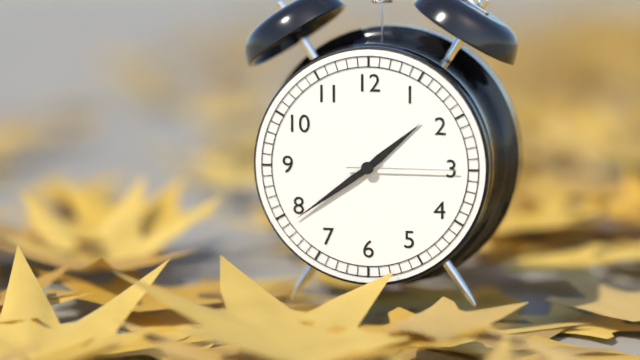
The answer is 1h39m15s
